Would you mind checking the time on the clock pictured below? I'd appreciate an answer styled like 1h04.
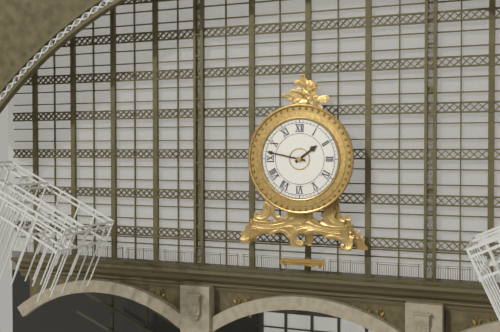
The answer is 1h47
